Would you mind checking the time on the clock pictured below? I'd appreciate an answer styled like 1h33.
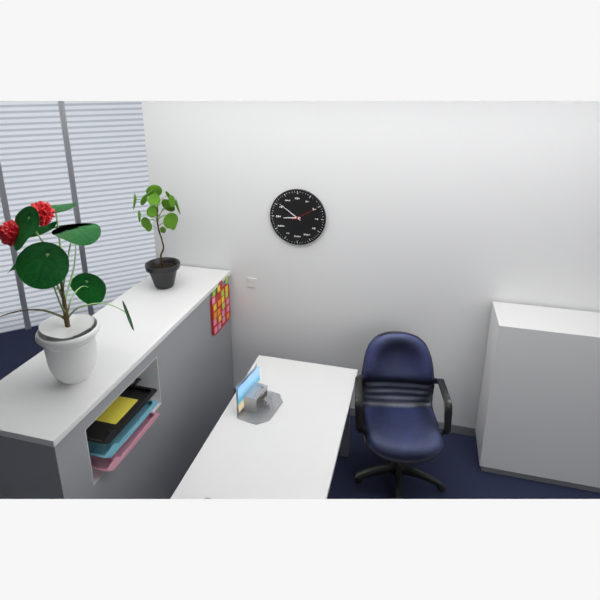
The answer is 8h51
